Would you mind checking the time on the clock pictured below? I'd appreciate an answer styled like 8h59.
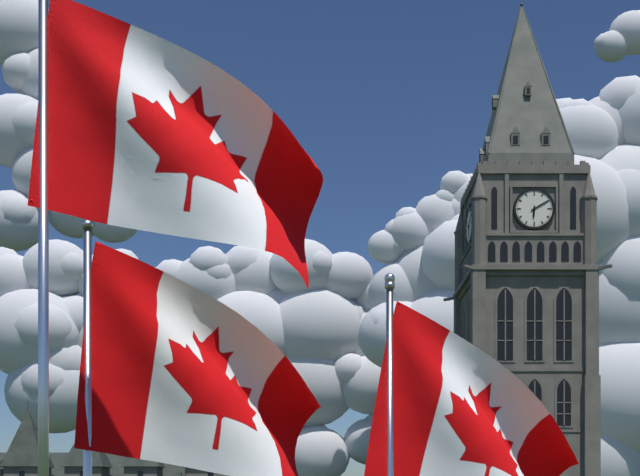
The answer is 6h10
